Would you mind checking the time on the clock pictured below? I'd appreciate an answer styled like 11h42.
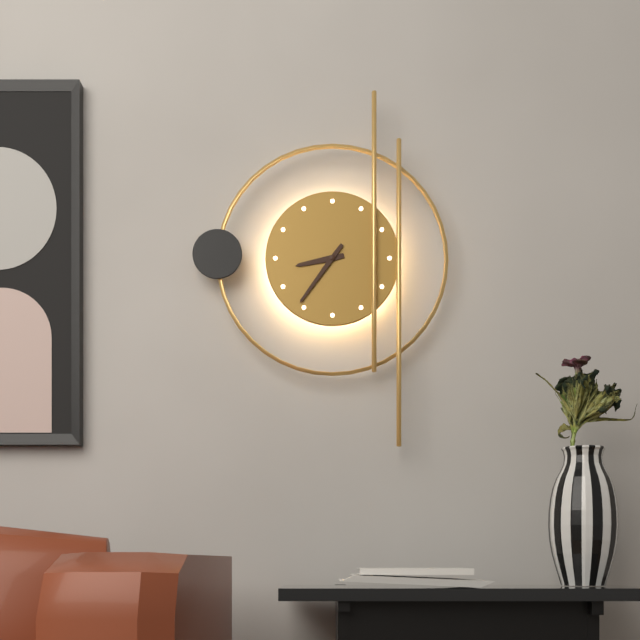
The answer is 8h36
